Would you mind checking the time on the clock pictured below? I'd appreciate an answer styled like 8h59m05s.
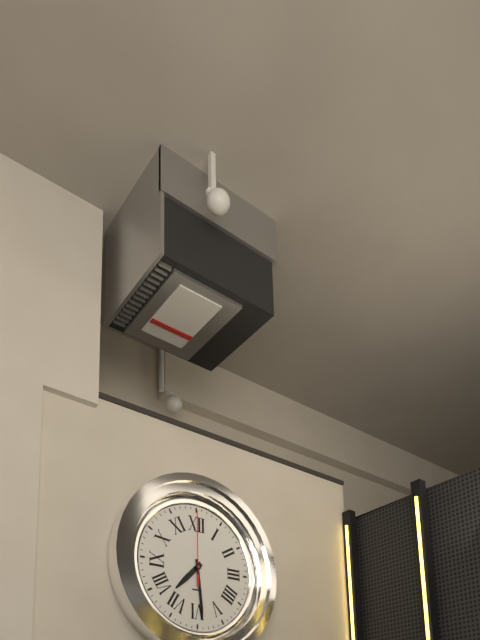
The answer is 7h29m00s
